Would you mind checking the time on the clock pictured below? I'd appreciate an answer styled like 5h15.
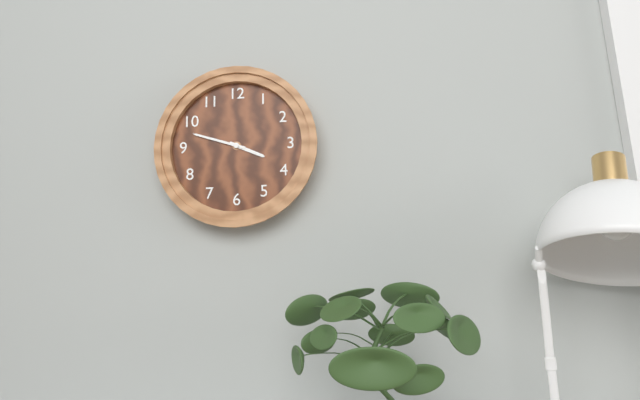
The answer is 3h48
